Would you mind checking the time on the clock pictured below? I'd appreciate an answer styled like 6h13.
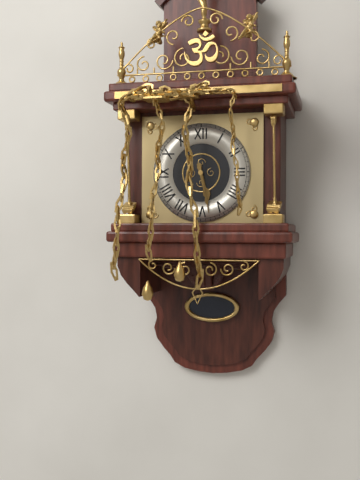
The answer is 5h28
